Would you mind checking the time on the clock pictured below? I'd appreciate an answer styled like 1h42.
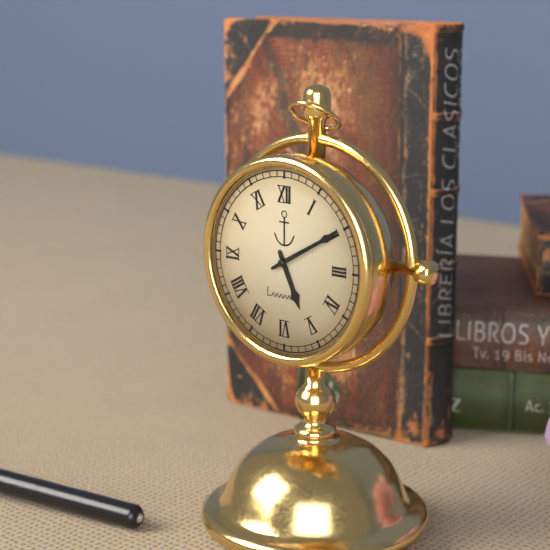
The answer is 5h10
